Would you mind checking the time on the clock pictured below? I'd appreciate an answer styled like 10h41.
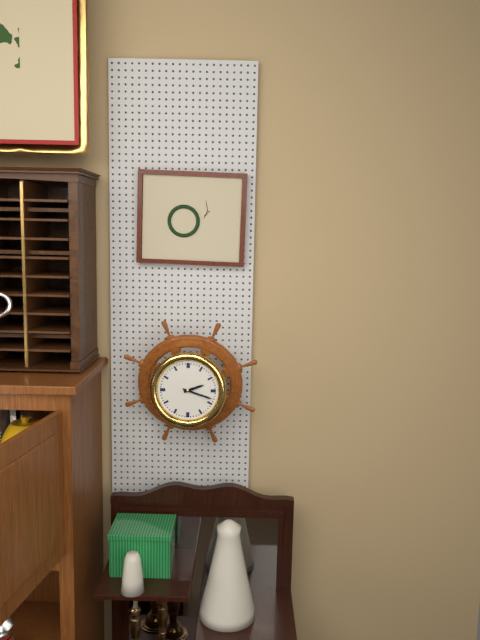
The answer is 2h18
